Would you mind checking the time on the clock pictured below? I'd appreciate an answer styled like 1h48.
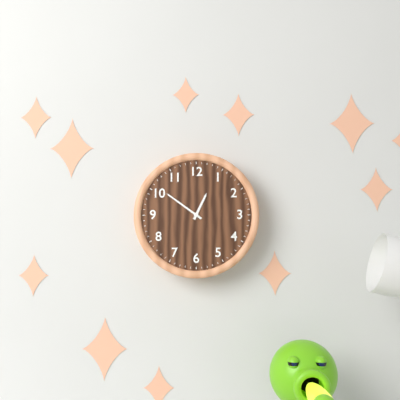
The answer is 12h51
